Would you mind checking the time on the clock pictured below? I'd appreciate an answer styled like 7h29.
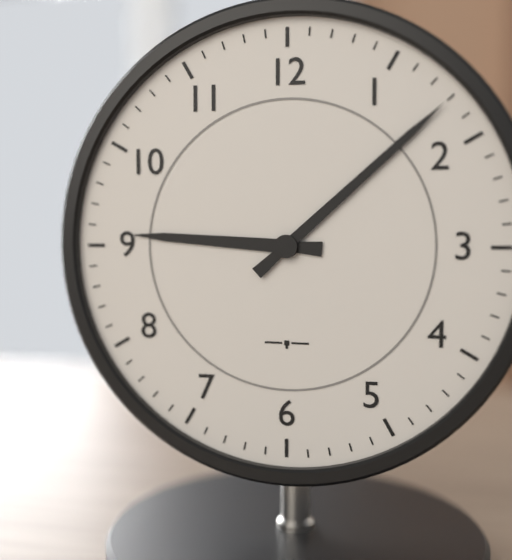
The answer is 9h08
